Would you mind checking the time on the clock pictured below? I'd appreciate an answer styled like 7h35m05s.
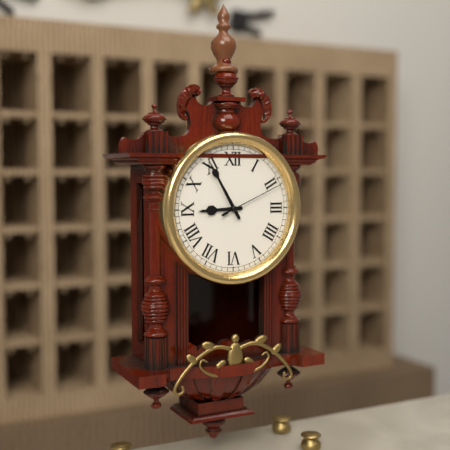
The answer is 8h55m11s
